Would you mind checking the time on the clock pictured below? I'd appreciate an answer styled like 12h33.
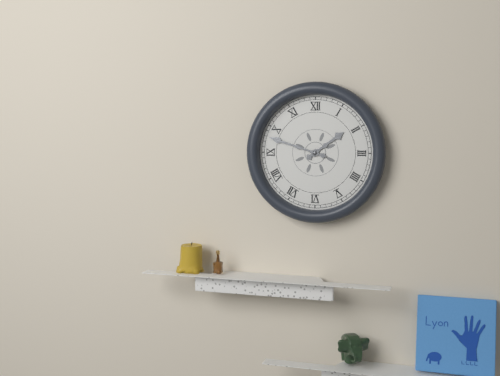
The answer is 1h48
